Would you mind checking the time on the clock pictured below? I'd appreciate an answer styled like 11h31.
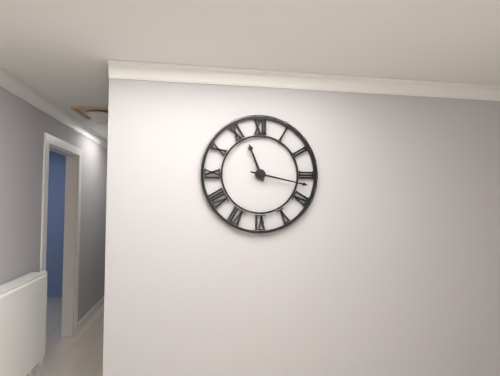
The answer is 11h17
